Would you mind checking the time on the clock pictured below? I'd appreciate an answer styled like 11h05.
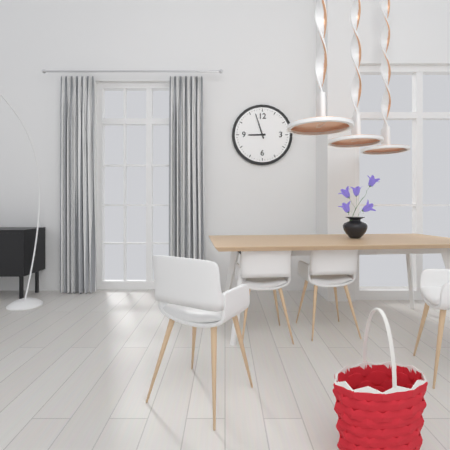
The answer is 8h57
